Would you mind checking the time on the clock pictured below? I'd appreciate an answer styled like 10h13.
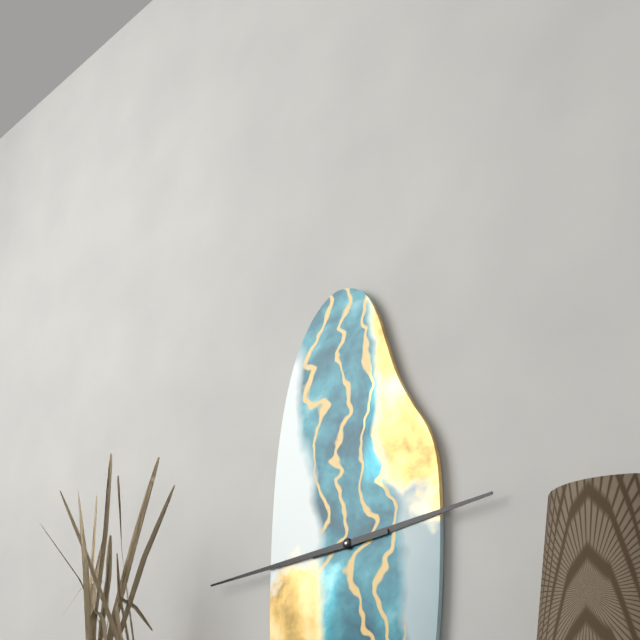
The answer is 2h44
